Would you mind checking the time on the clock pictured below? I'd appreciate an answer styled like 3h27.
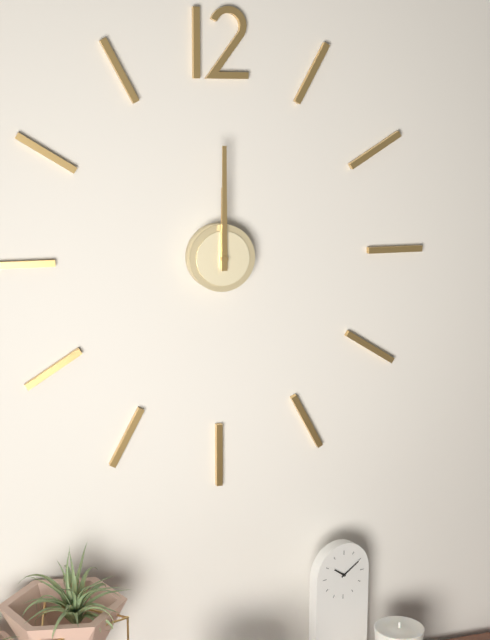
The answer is 12h00
